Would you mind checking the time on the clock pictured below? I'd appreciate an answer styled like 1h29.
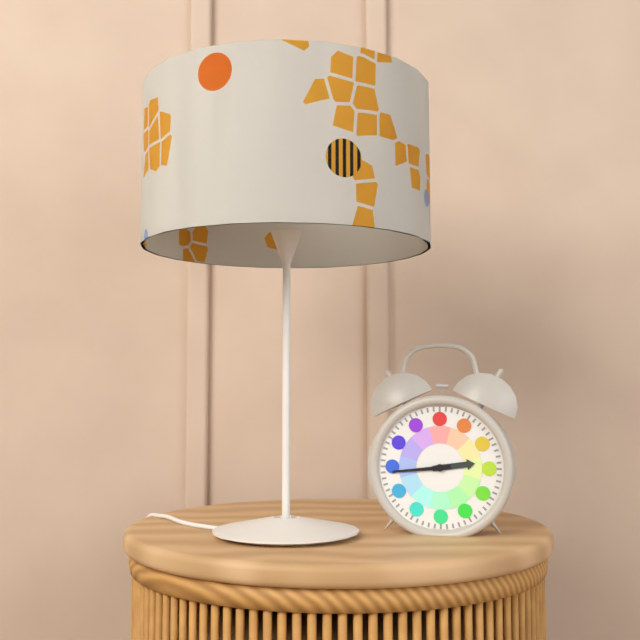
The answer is 2h44
